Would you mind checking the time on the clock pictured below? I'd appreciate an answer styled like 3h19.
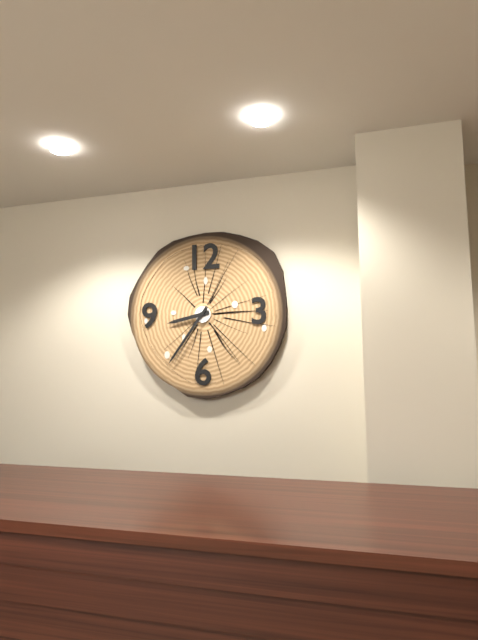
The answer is 8h36
